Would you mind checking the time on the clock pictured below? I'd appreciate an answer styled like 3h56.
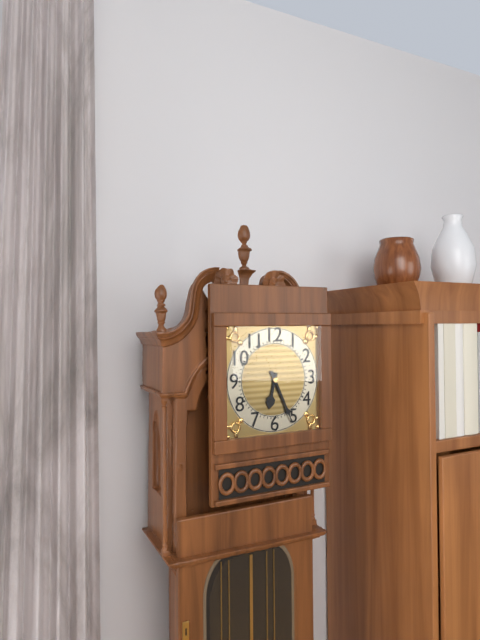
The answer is 6h26
